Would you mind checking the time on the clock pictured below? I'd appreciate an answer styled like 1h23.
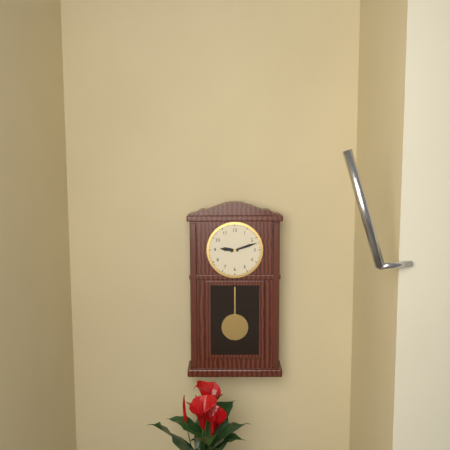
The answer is 9h12
